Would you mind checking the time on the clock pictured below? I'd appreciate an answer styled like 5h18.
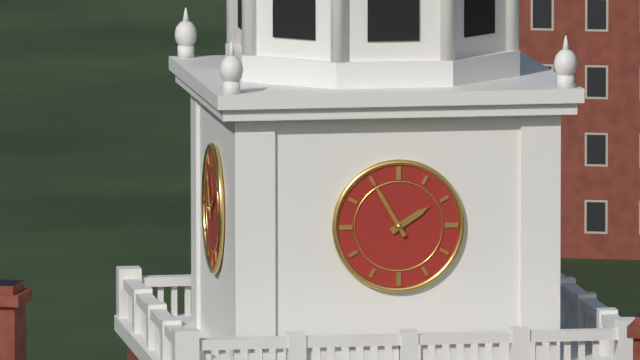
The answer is 1h55
